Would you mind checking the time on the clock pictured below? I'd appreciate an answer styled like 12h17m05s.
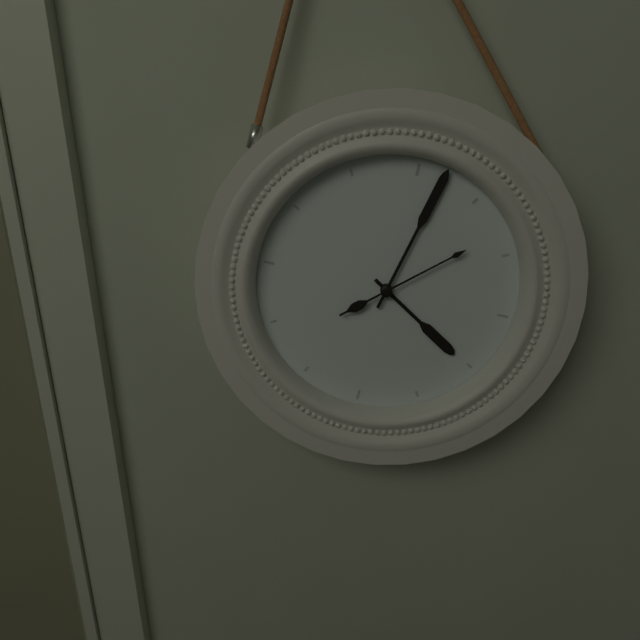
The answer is 4h02m08s
